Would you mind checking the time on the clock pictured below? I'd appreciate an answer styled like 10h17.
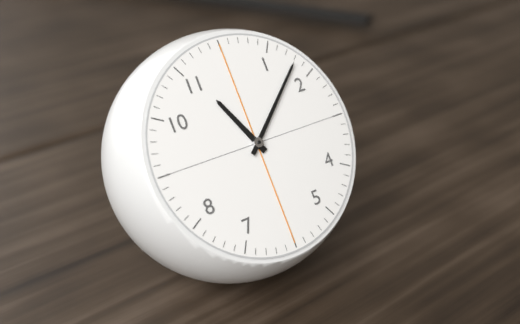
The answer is 11h08
